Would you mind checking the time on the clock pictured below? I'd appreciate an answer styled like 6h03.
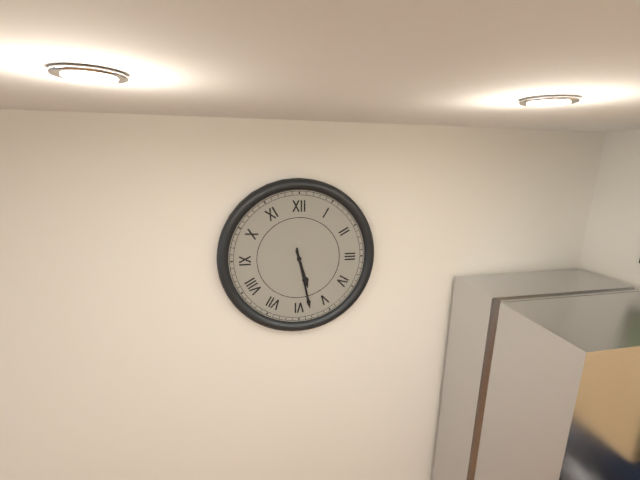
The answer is 5h28
